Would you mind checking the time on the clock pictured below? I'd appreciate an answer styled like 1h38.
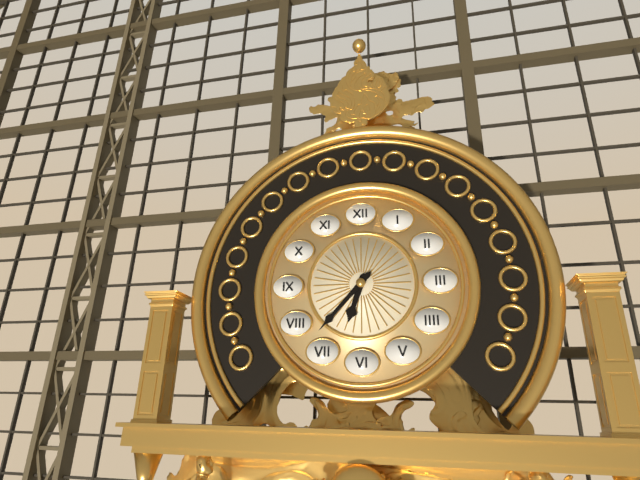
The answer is 6h37
